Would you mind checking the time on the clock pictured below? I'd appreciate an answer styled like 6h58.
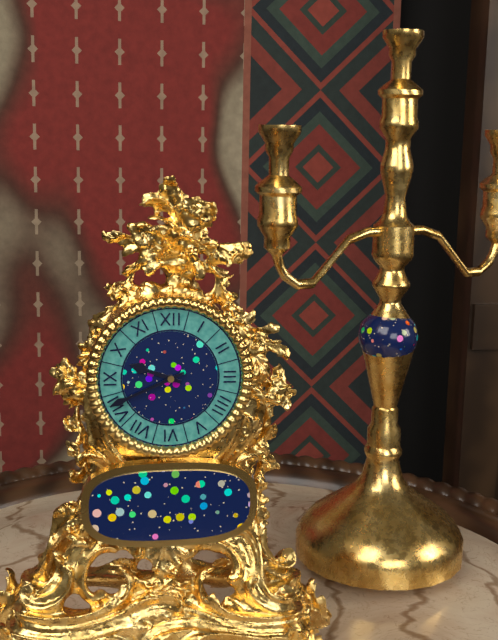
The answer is 9h41
